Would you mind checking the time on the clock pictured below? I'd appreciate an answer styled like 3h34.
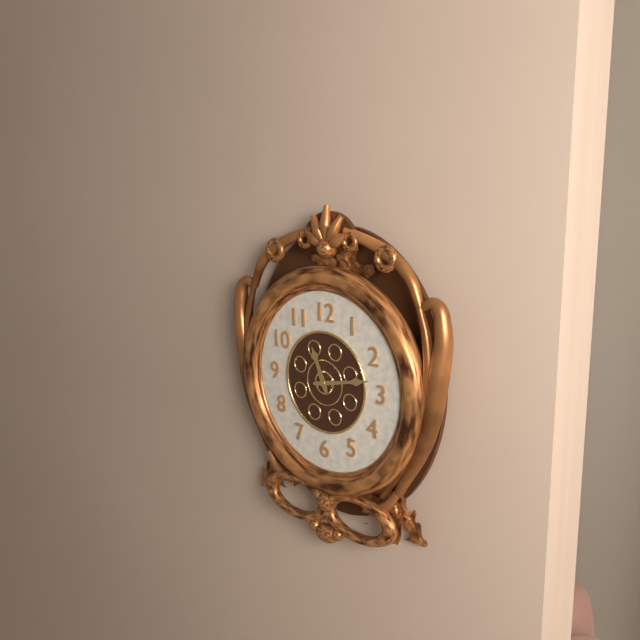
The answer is 11h13
